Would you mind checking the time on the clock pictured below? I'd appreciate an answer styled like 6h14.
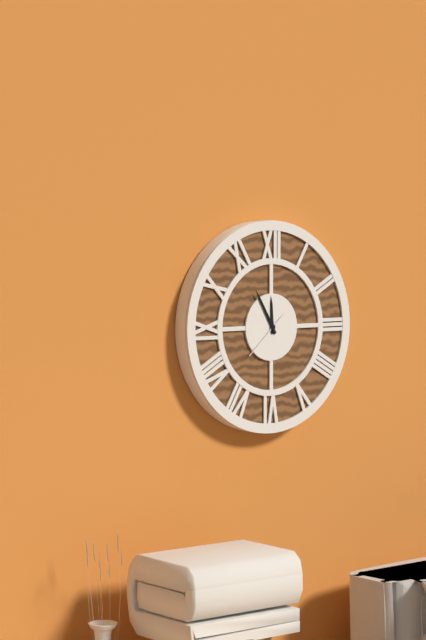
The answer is 11h55
